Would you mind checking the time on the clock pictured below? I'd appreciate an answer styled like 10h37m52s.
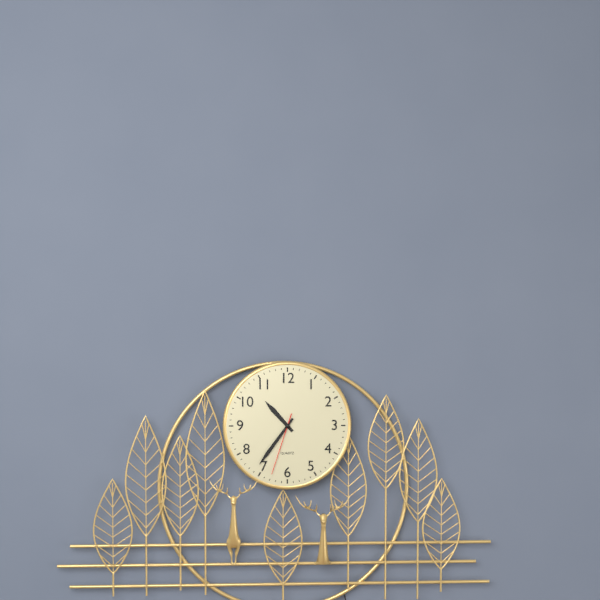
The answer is 10h36m33s
